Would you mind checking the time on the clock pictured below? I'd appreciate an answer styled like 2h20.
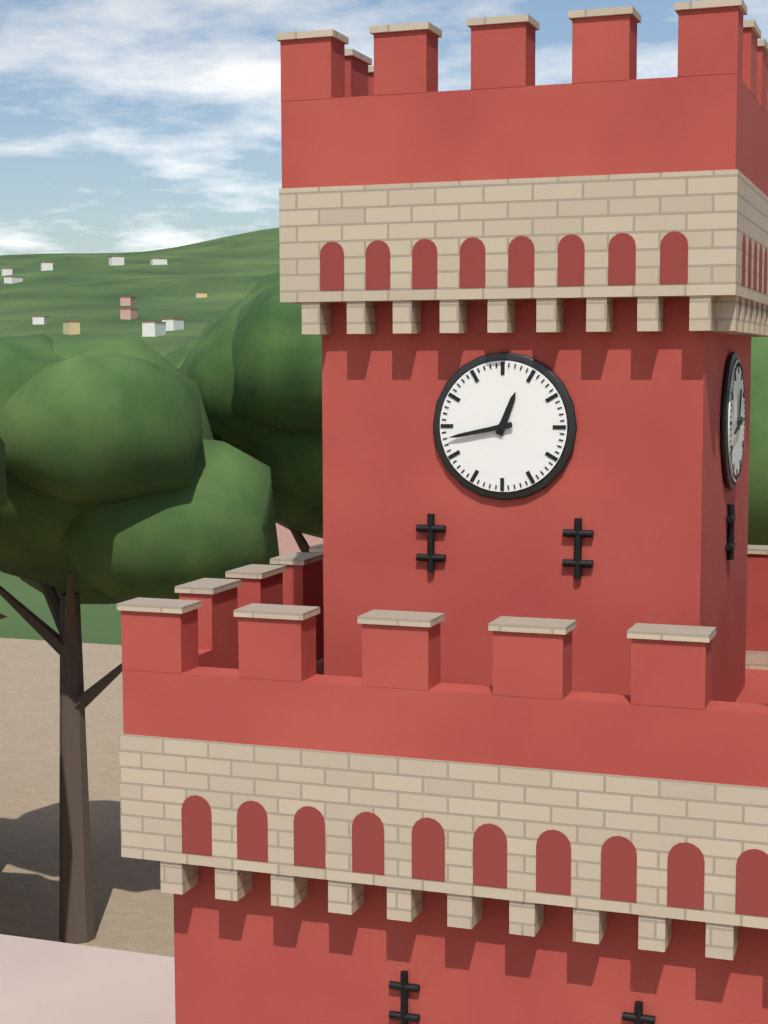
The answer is 12h43
